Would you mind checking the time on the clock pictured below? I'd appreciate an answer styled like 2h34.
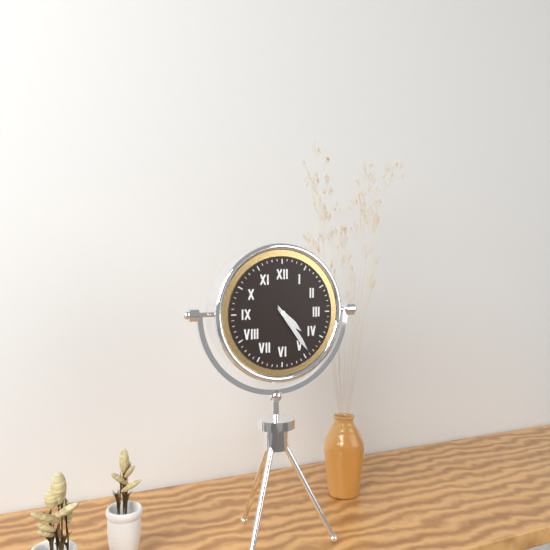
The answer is 4h24
